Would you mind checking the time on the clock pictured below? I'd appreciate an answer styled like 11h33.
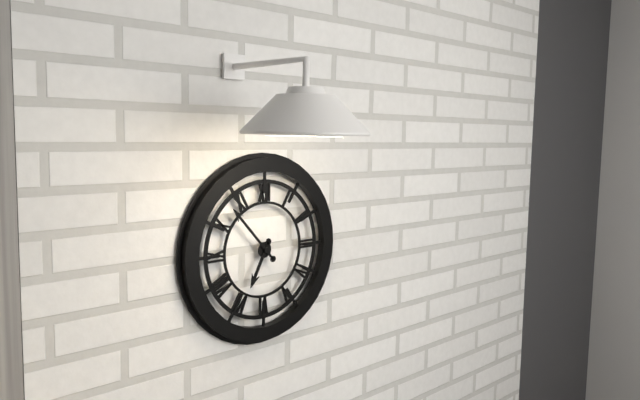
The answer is 6h53
